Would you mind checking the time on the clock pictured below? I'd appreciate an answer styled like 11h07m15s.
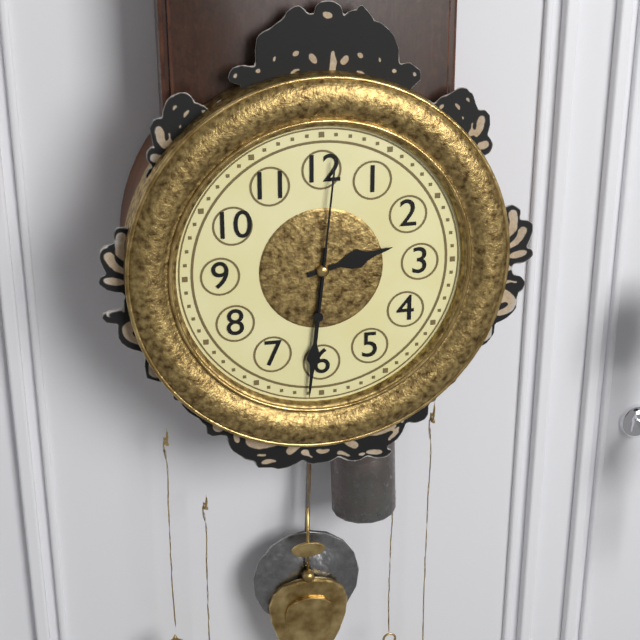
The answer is 2h31m01s
